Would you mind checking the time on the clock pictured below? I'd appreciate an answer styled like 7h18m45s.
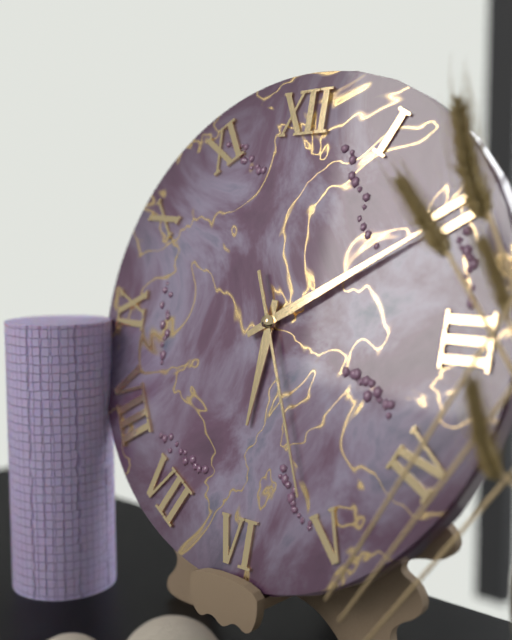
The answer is 6h10m26s
